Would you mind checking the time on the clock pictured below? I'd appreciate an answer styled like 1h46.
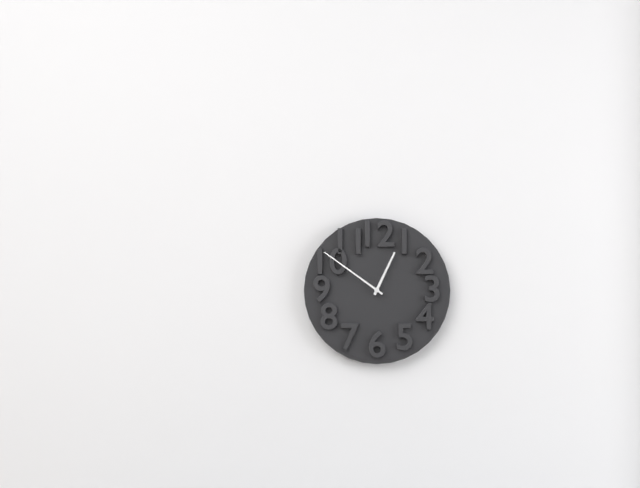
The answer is 12h51
